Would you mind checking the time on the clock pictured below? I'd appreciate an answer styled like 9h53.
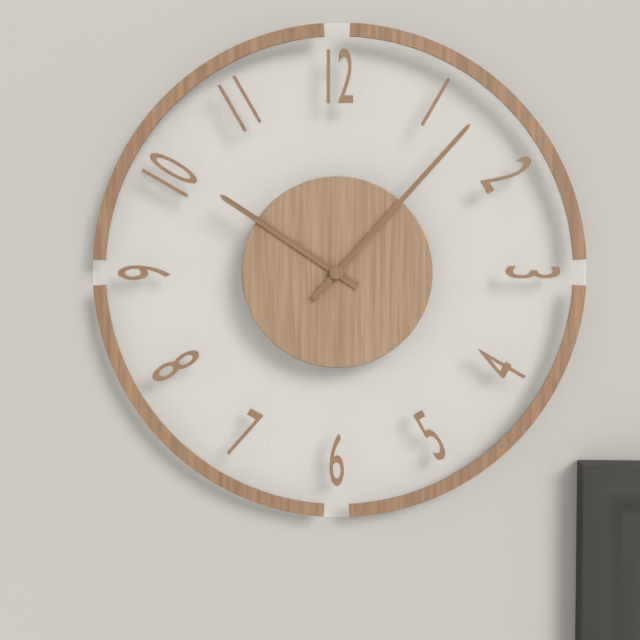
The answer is 10h07
